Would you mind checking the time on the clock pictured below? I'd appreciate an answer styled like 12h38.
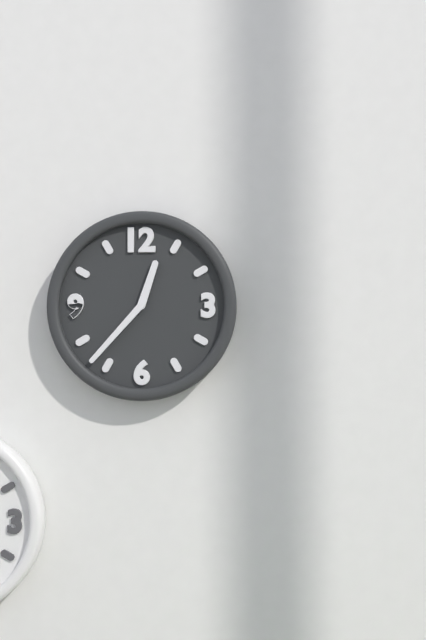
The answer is 12h37
